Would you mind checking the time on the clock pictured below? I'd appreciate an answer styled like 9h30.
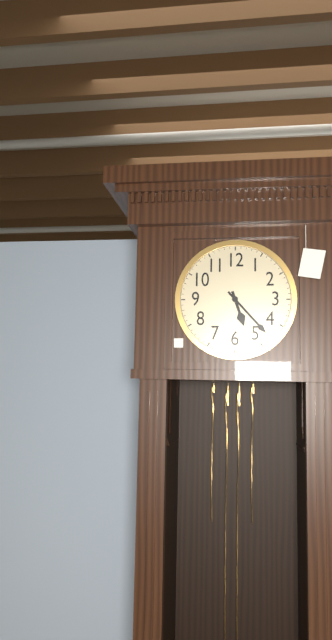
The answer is 5h23
